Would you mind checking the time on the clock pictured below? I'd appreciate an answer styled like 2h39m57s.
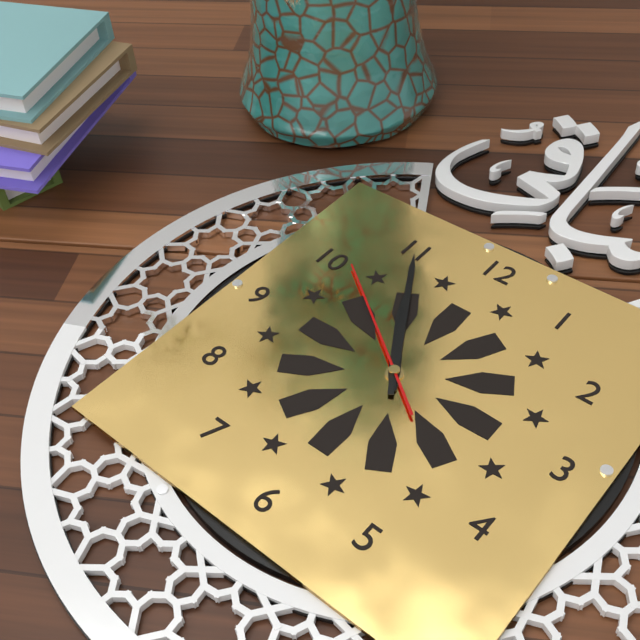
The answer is 10h55m51s
